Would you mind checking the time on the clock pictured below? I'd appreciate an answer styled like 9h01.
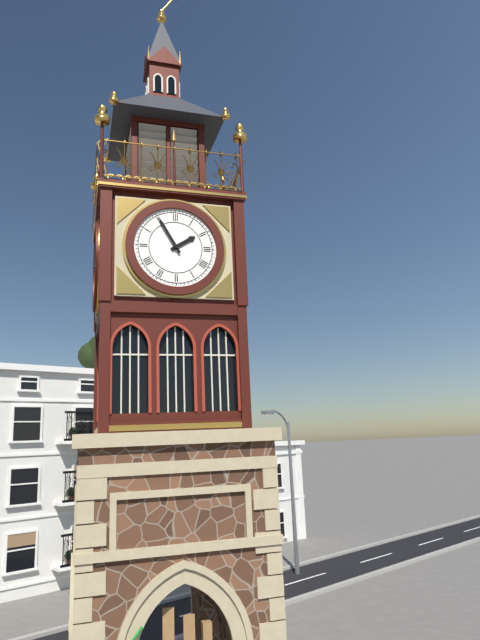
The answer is 1h55
